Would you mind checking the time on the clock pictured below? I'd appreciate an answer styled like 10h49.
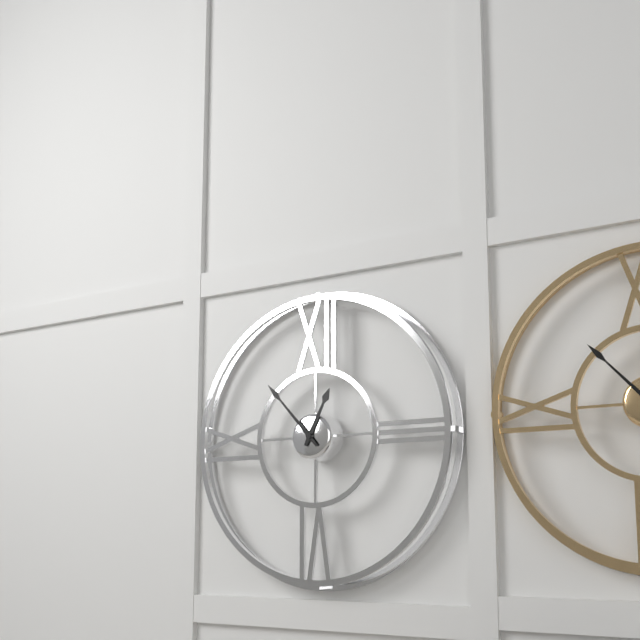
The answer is 12h53
